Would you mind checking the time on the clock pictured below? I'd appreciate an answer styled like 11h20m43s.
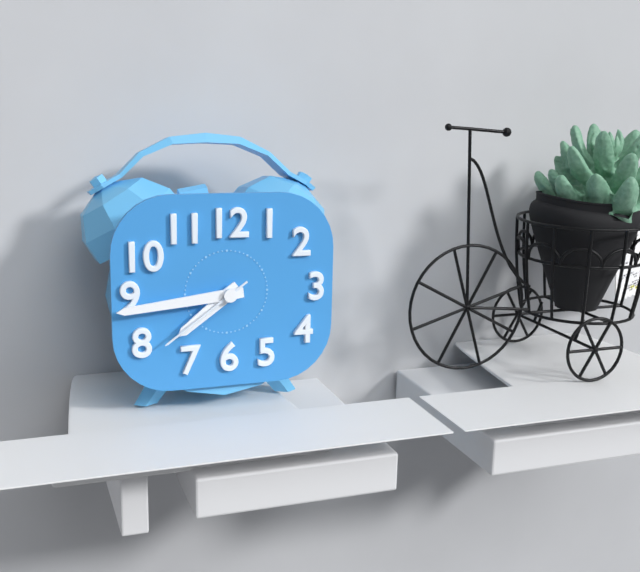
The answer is 7h44m39s
